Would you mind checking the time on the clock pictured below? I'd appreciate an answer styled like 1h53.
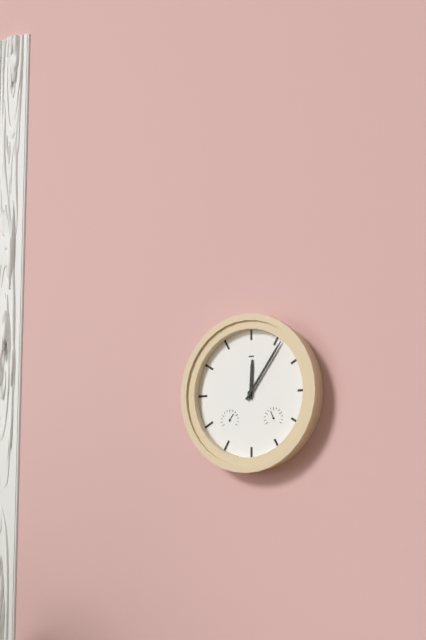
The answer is 12h06
